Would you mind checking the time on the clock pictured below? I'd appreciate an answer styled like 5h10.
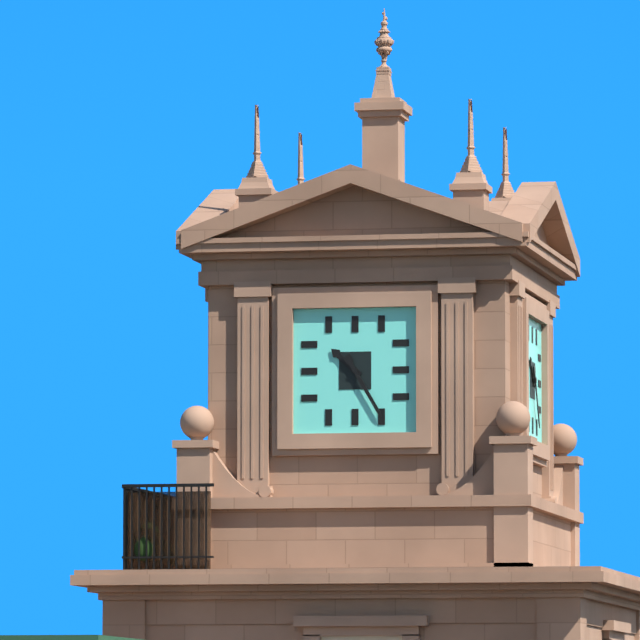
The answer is 10h25
